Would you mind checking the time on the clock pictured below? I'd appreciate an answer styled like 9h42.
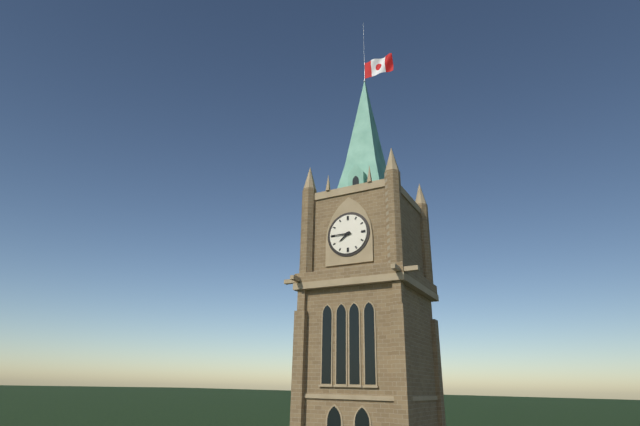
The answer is 7h45
